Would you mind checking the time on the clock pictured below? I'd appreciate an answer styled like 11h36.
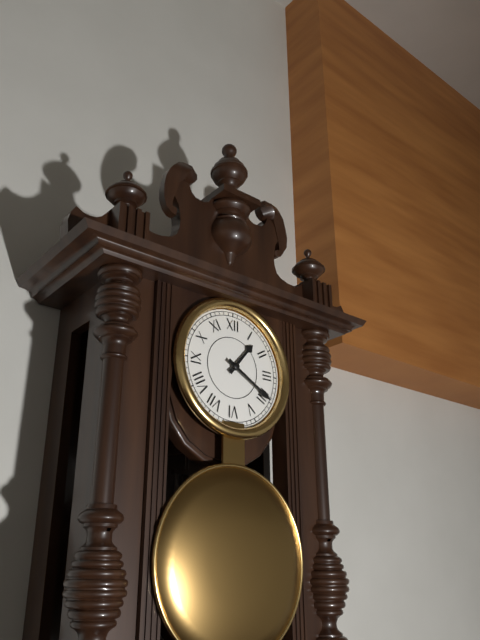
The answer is 1h20
